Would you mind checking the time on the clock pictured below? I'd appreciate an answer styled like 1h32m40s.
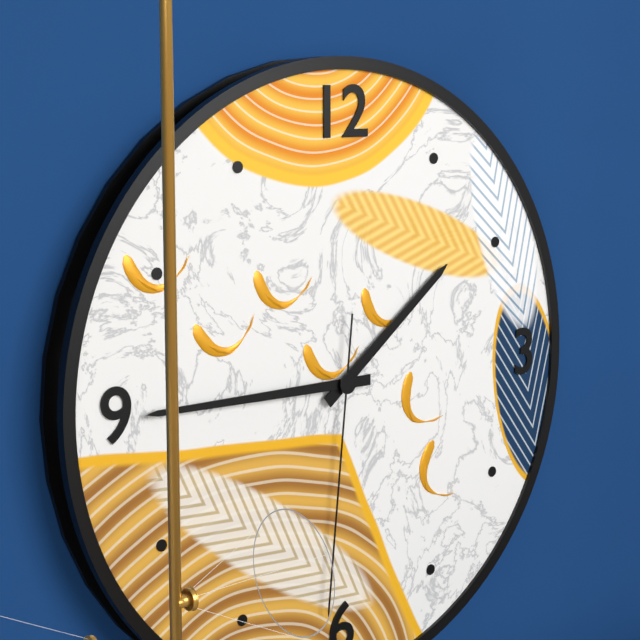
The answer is 1h45m31s
